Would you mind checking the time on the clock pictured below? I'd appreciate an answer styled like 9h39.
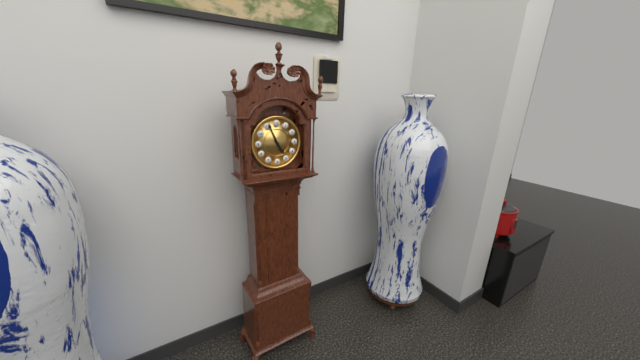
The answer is 4h56
